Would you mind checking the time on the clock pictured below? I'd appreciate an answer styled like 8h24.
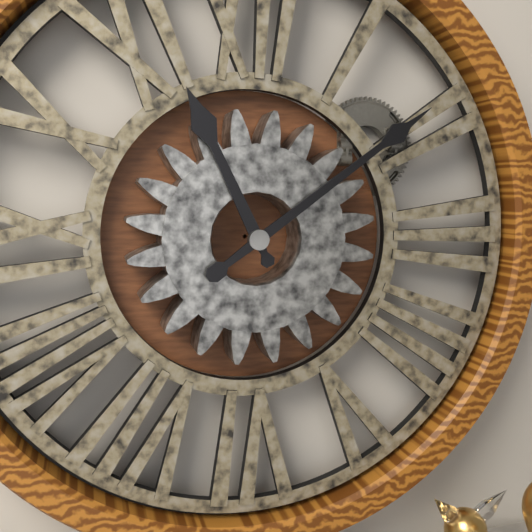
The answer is 11h09
